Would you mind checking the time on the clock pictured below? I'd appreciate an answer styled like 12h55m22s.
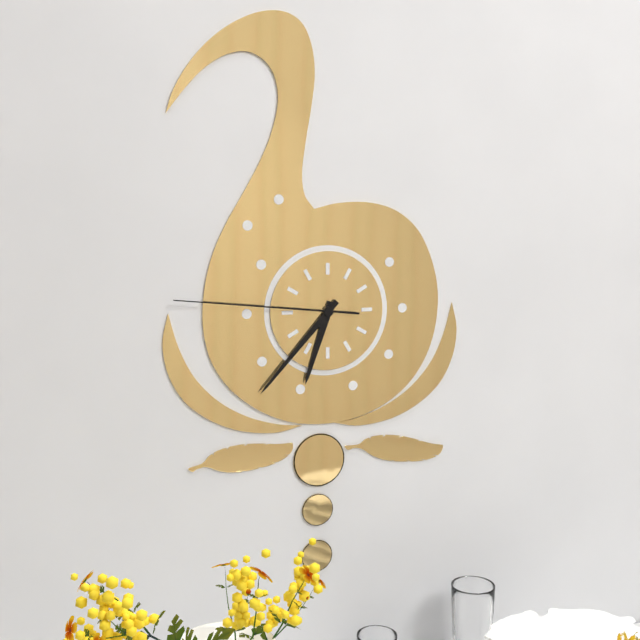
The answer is 6h37m46s
